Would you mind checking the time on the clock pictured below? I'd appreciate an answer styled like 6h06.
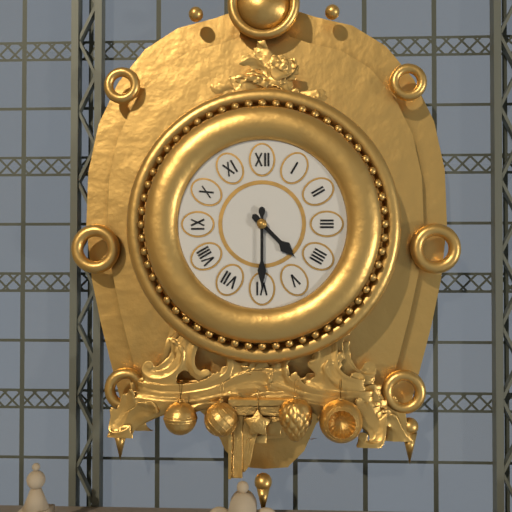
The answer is 4h30
